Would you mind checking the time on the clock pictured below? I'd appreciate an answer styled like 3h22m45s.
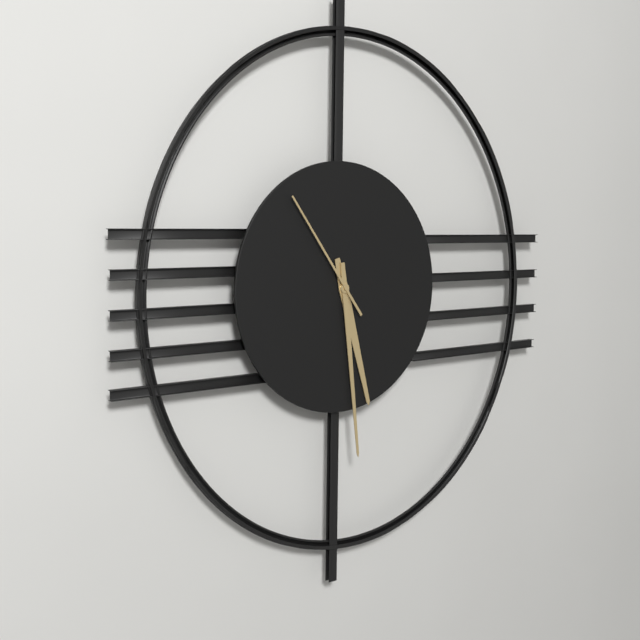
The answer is 5h29m54s
